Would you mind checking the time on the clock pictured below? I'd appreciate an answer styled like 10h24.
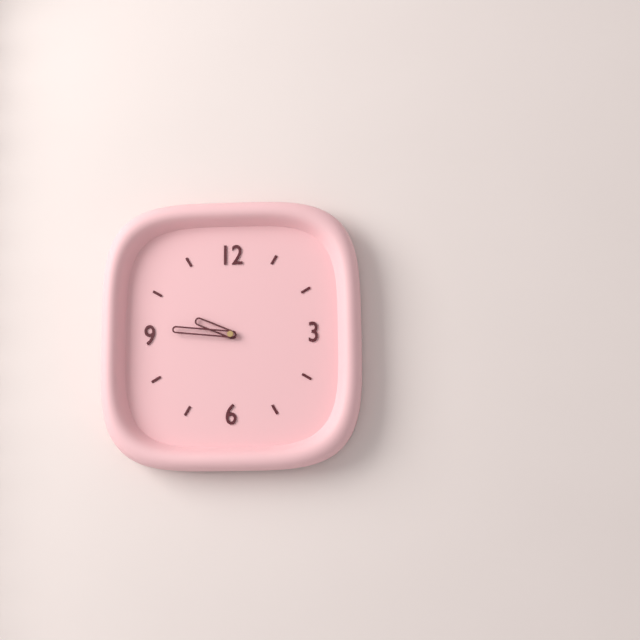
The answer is 9h46
